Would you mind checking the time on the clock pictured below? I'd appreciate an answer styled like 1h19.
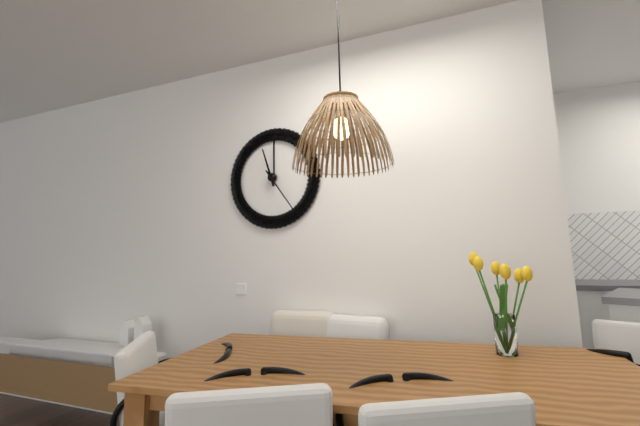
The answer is 11h24
